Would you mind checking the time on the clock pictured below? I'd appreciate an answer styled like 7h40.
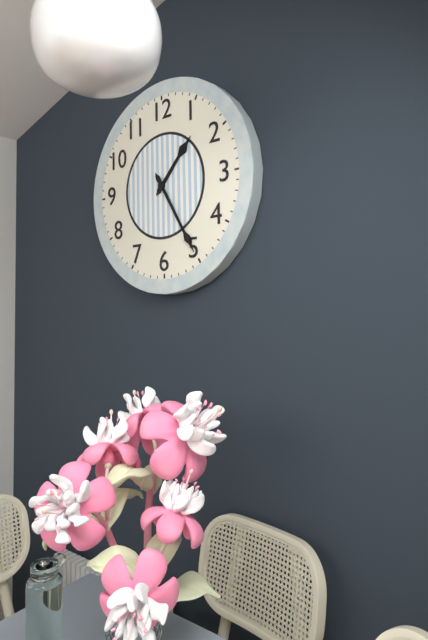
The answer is 1h25
